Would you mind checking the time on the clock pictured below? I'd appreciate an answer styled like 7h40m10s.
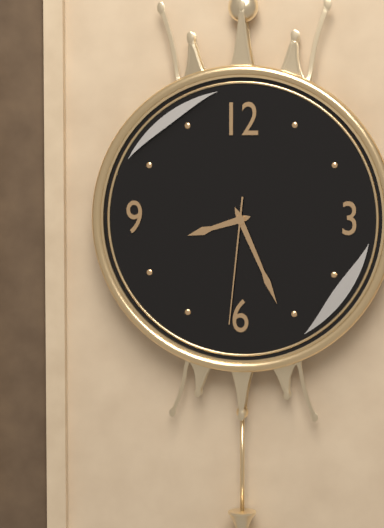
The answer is 8h26m31s
